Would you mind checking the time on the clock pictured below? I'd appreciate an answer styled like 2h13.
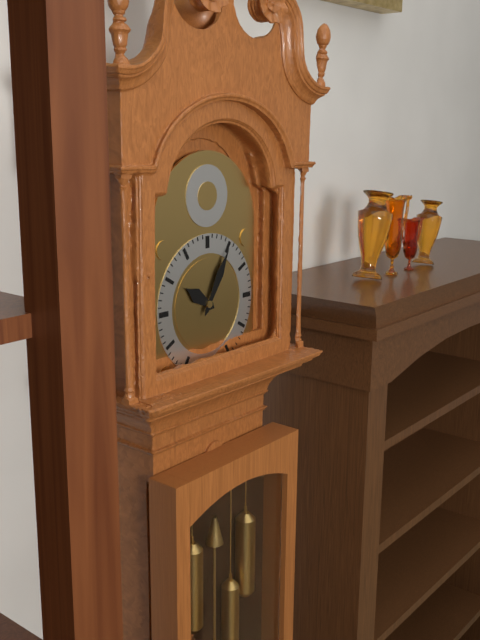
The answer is 10h05
